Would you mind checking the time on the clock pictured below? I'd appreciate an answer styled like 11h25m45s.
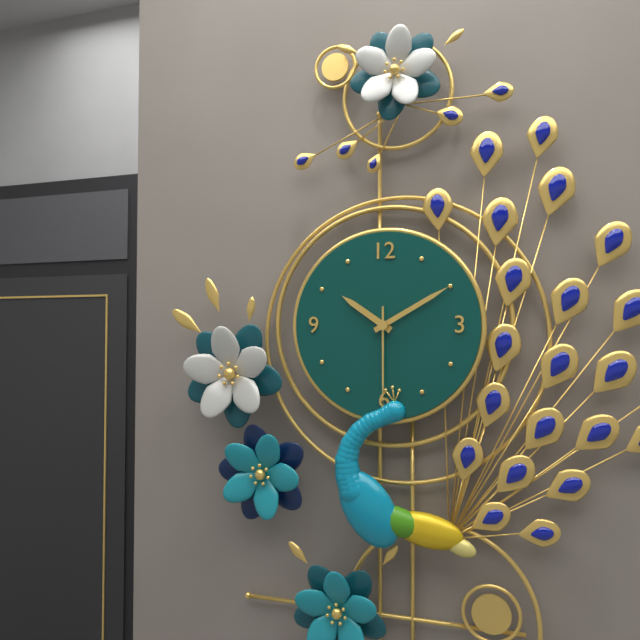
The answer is 10h10m30s
